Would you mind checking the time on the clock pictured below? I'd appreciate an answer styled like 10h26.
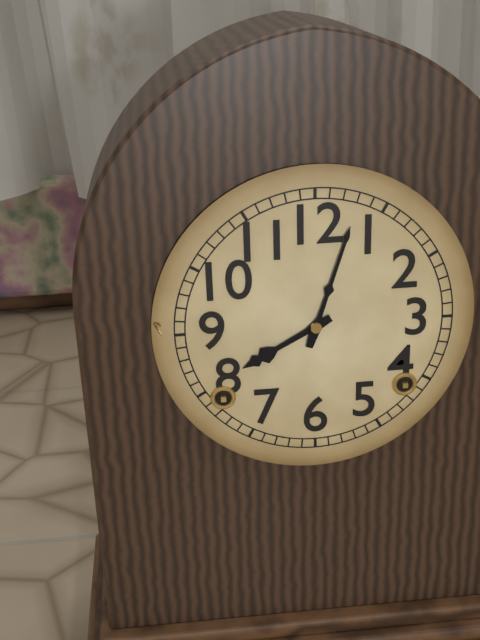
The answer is 8h03
